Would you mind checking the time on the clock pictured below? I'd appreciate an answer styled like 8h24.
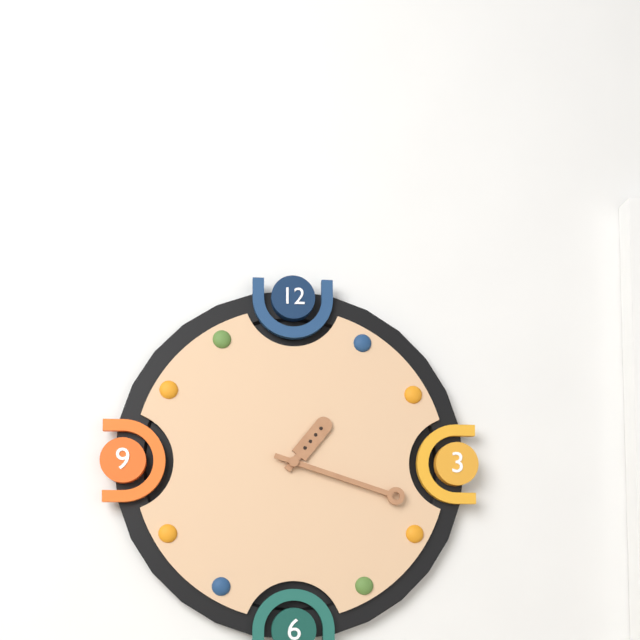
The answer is 1h18
